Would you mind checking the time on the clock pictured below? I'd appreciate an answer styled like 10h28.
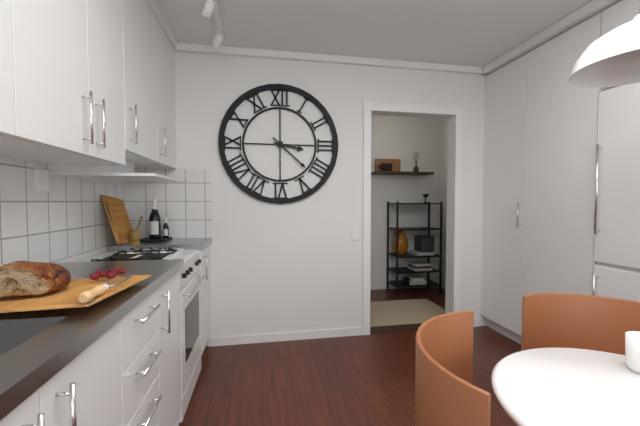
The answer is 3h22
